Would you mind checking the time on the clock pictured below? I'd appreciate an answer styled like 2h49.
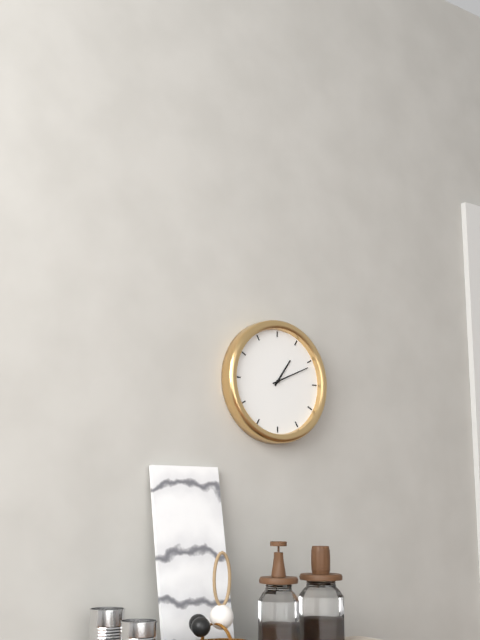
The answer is 1h11
